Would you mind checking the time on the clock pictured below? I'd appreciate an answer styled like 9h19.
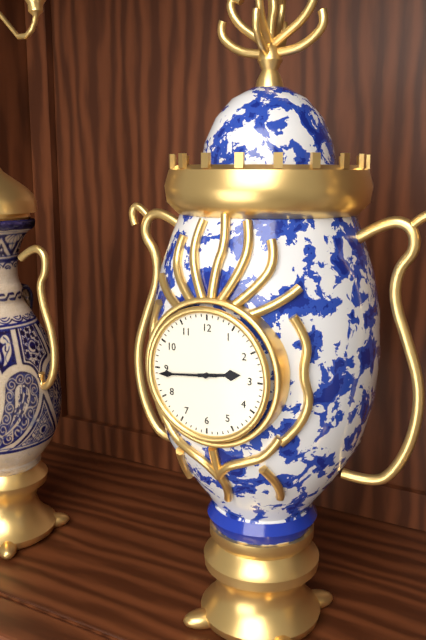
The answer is 2h44
